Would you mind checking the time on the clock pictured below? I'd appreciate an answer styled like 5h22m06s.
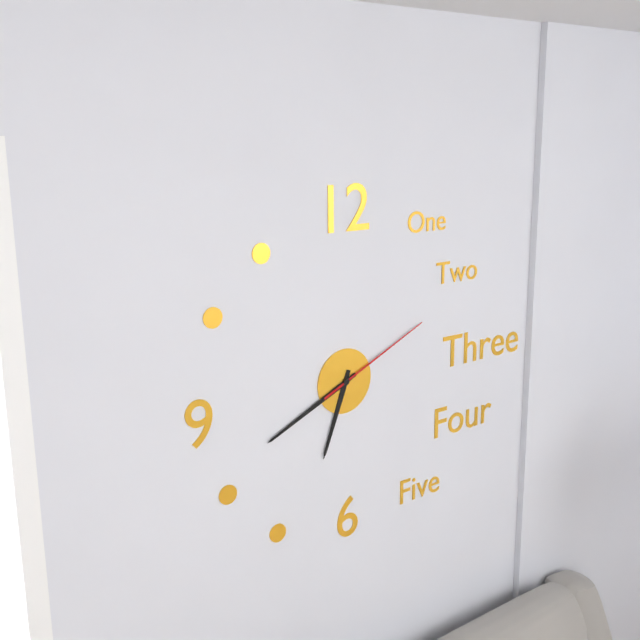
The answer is 6h41m11s
